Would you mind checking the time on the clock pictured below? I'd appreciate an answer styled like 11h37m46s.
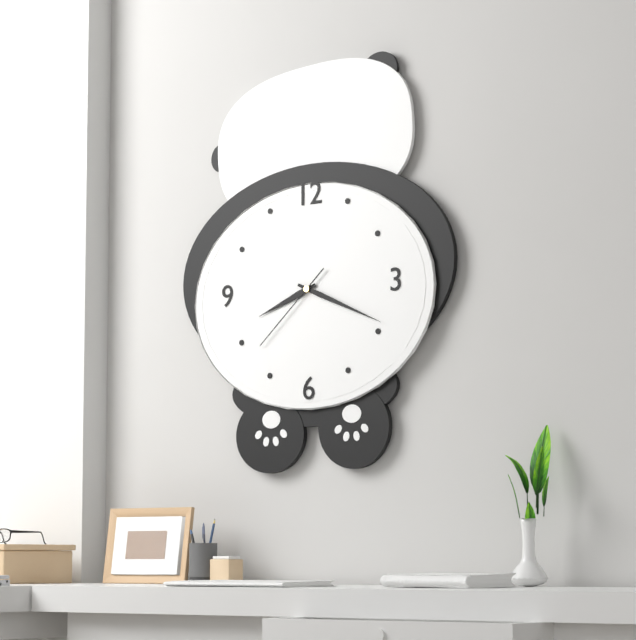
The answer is 8h19m38s
